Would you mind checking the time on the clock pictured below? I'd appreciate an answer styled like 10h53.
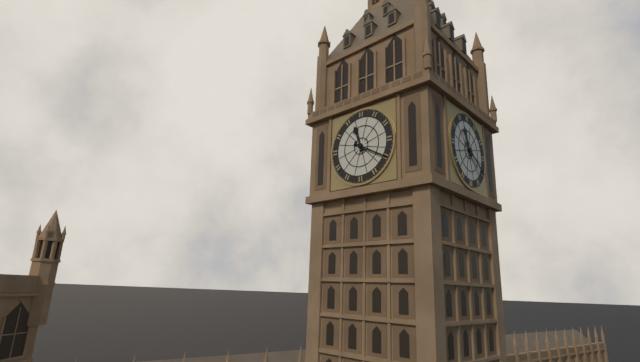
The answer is 11h20
